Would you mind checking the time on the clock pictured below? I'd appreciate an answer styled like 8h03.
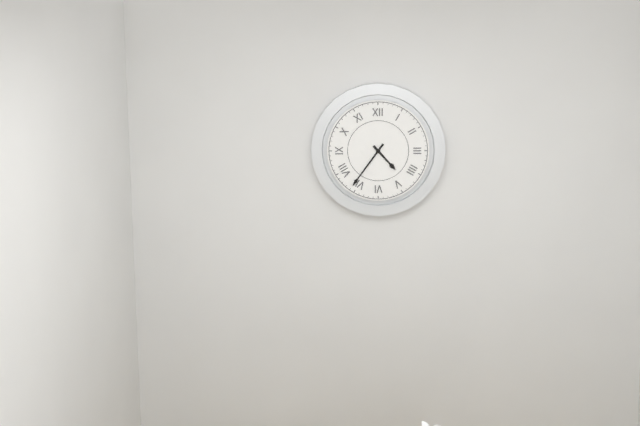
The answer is 4h36
